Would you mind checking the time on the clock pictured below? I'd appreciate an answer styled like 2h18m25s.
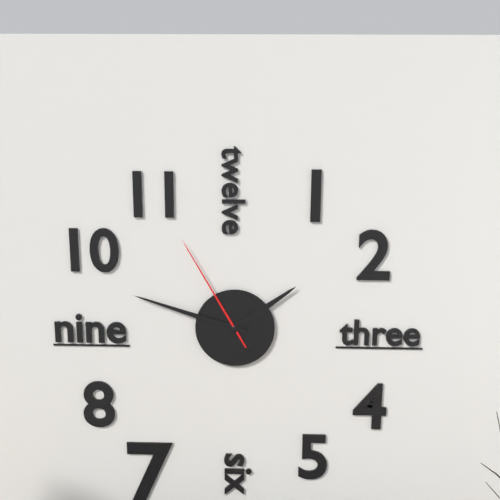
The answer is 1h48m55s
